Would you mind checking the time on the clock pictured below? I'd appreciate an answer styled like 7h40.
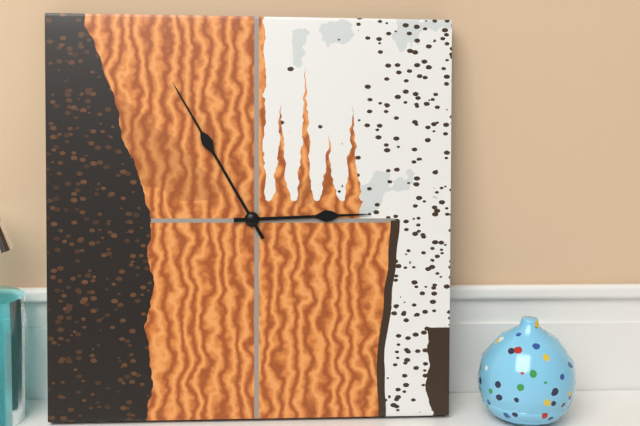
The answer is 2h55
